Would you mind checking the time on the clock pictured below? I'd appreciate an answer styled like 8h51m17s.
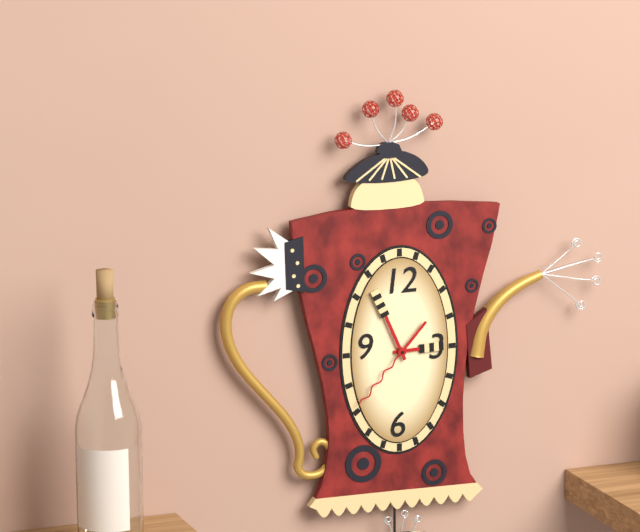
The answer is 2h56m37s
